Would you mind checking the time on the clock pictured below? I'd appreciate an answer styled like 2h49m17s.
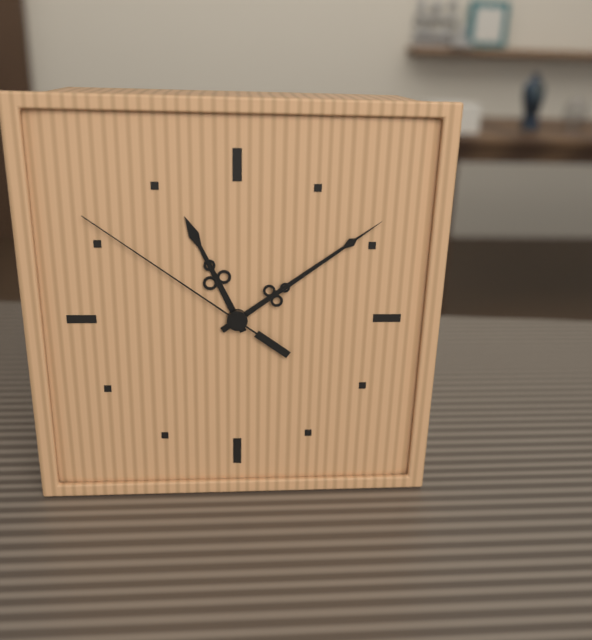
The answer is 11h09m51s
